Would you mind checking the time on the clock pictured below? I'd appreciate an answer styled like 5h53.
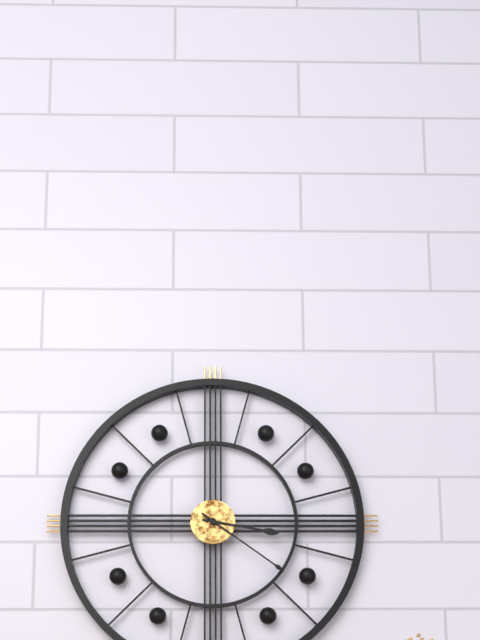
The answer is 3h21
